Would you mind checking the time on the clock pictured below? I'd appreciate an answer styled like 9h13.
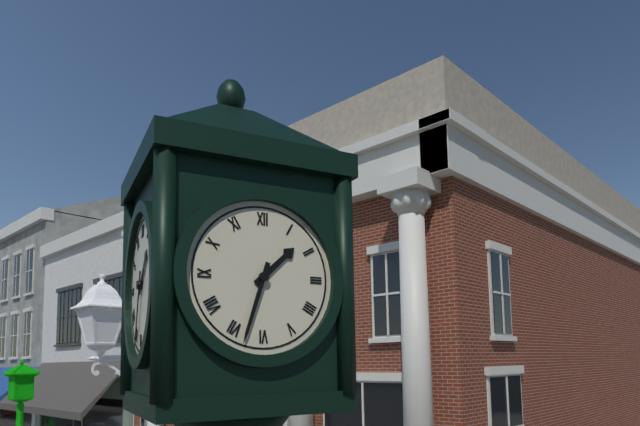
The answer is 1h33
